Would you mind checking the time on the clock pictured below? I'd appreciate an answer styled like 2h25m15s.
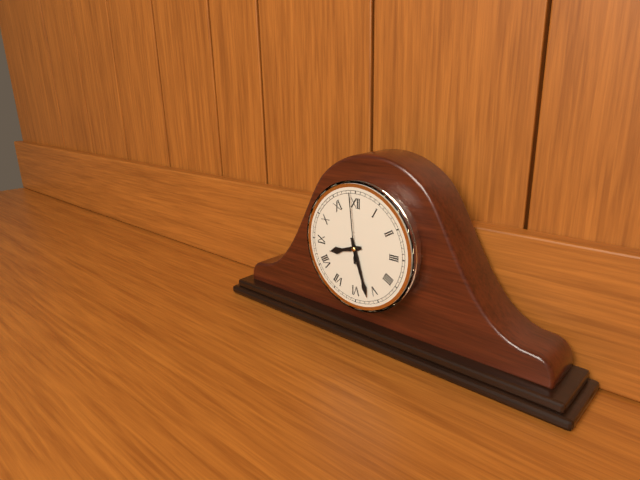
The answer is 8h27m59s
